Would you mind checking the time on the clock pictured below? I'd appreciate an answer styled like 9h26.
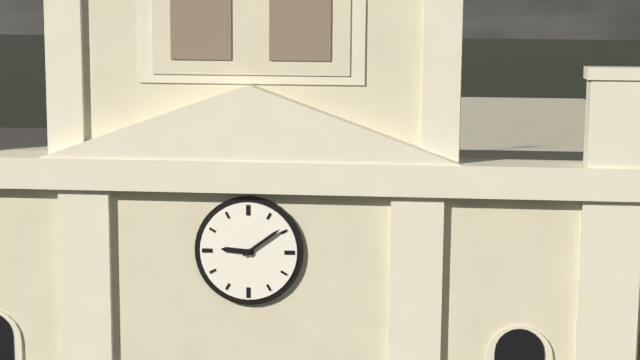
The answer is 9h09
